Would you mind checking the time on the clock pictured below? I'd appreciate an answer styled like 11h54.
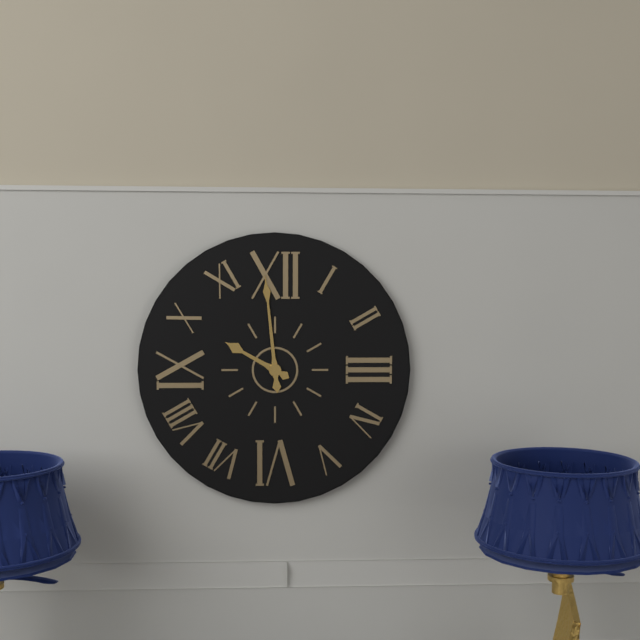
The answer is 9h59
